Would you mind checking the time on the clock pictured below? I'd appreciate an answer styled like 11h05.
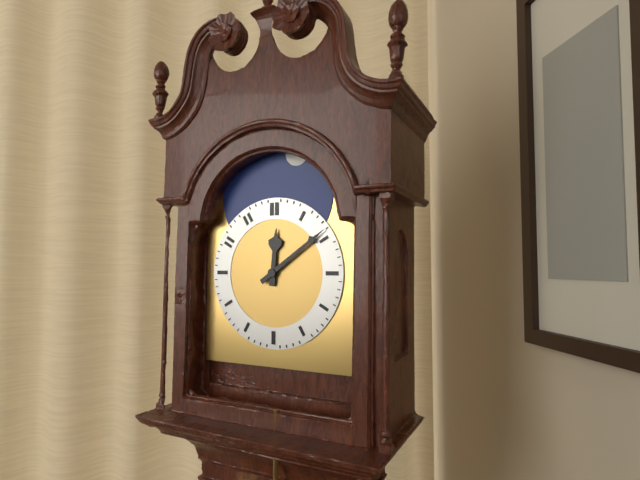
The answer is 12h09
